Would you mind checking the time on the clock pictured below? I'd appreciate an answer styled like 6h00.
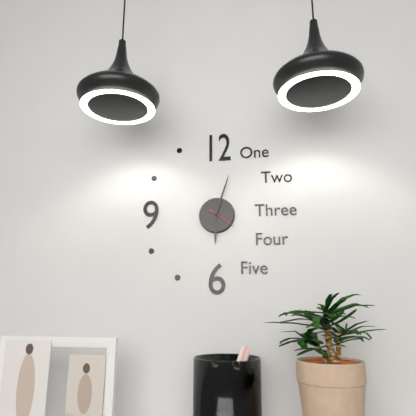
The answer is 6h03
